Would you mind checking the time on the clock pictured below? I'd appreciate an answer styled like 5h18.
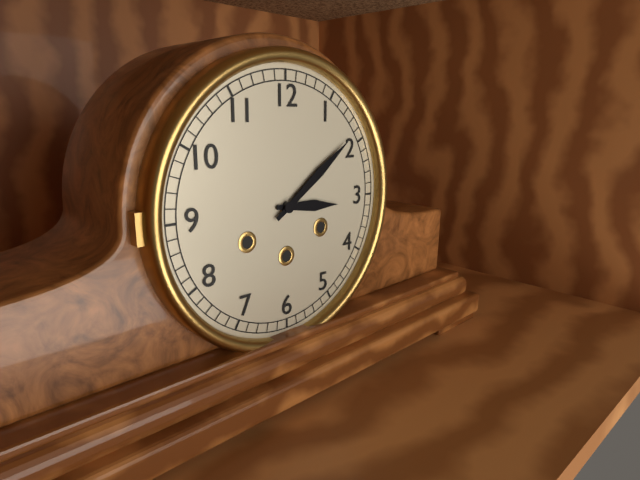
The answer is 3h09
